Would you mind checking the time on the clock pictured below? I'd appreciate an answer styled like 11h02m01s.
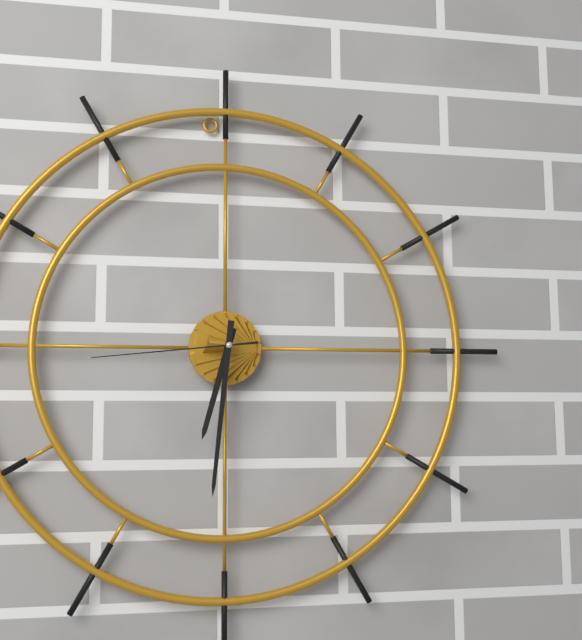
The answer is 6h31m44s
